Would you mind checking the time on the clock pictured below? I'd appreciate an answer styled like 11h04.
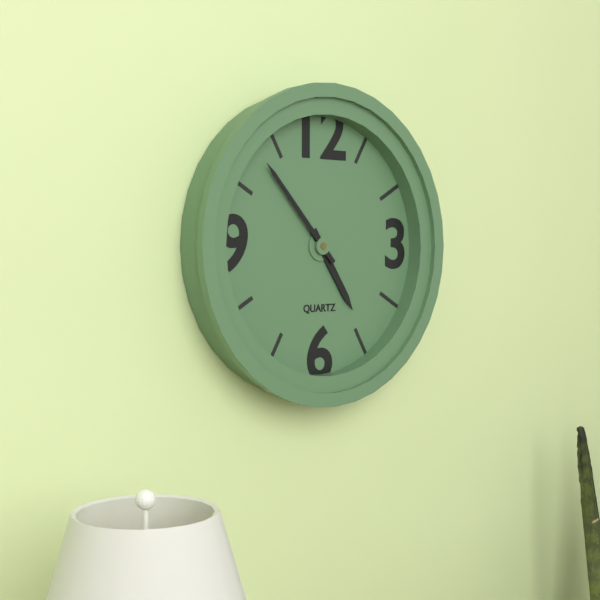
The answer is 4h53
